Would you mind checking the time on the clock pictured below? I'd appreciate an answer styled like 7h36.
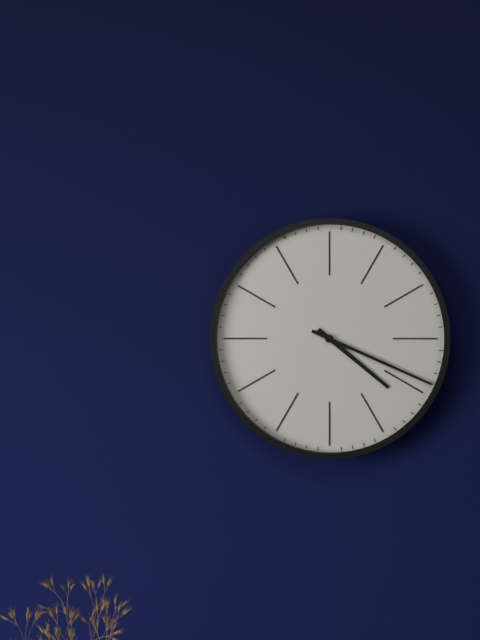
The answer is 4h19
